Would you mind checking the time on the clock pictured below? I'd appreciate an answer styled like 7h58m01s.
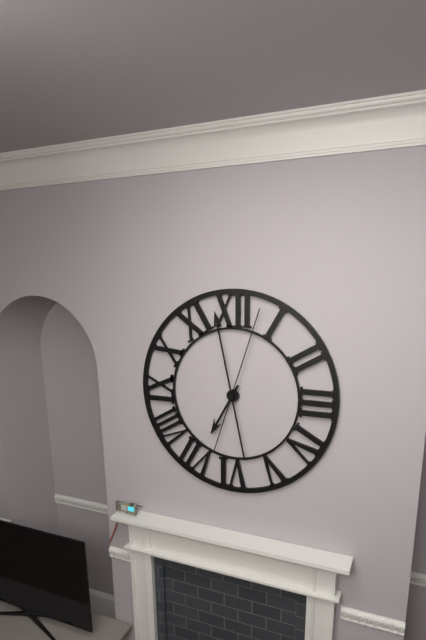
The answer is 6h58m03s
